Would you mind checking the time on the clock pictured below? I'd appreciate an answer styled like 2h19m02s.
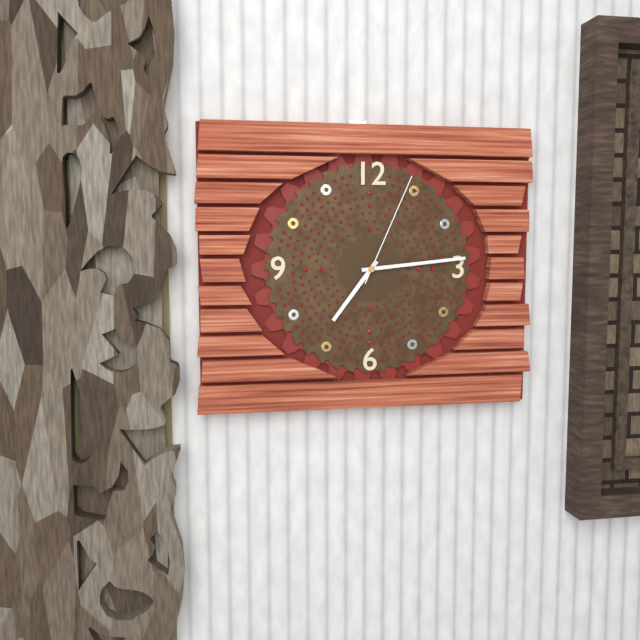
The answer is 7h14m04s
